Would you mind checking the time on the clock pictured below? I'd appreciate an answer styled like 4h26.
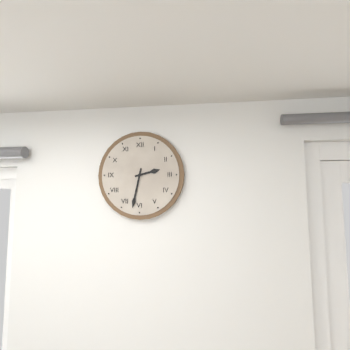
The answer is 2h32
